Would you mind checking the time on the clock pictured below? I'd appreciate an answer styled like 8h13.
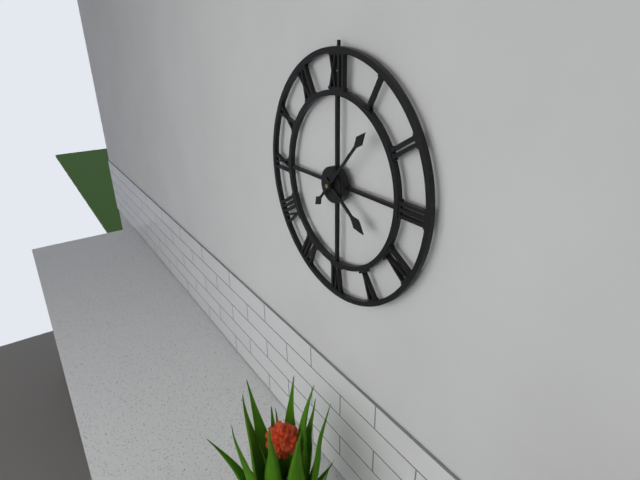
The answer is 4h07
